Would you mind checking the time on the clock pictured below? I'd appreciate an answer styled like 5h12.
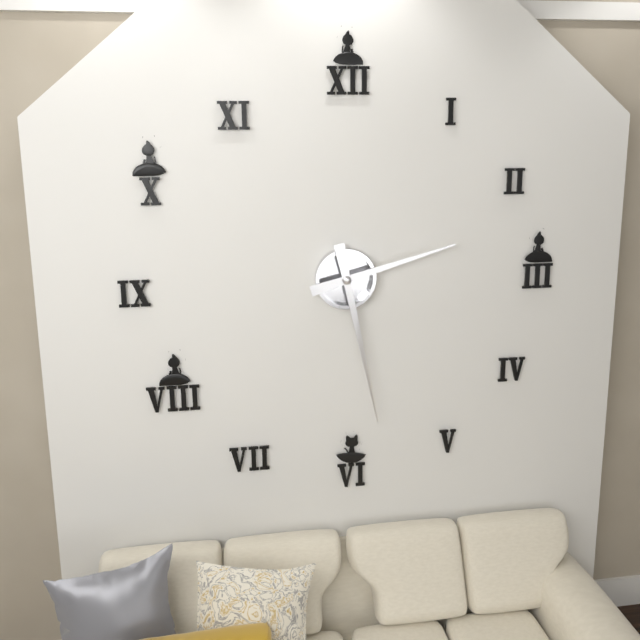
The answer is 2h28
